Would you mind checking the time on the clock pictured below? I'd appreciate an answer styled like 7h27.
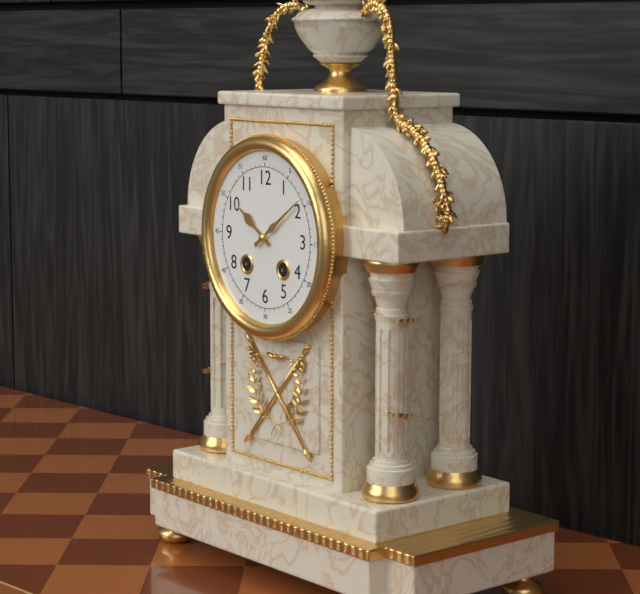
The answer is 10h09
